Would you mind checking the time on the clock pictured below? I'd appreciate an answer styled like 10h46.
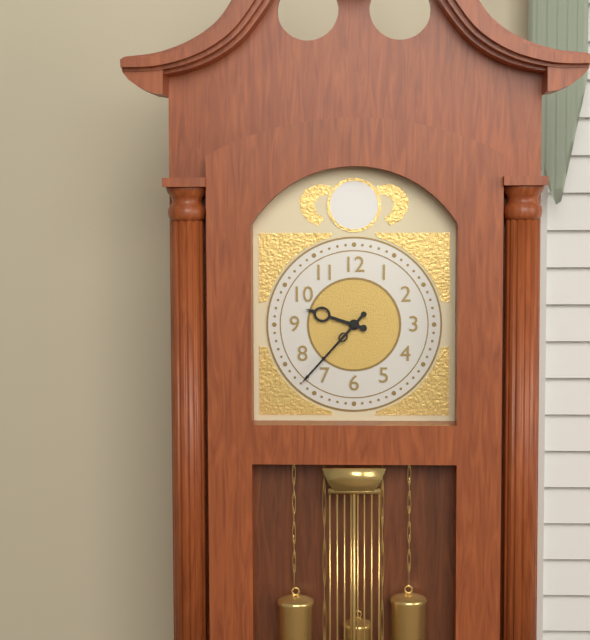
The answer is 9h37
